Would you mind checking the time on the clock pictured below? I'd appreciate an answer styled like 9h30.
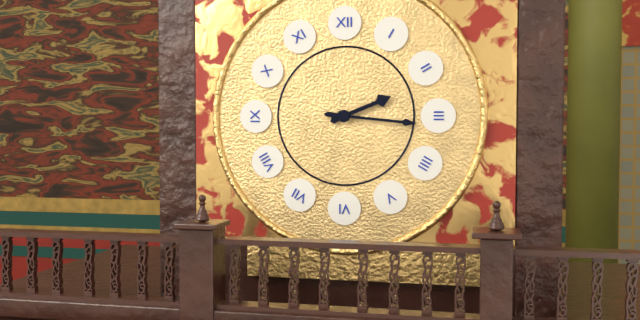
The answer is 2h16
